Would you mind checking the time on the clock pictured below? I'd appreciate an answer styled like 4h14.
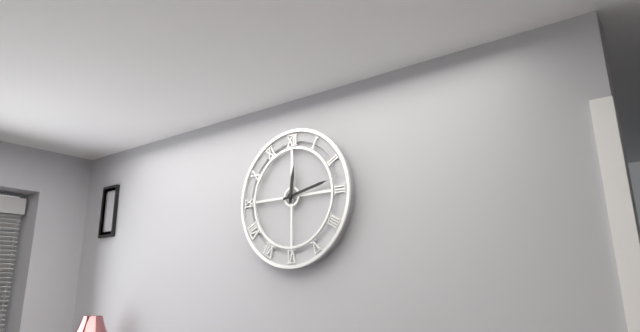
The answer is 12h13
